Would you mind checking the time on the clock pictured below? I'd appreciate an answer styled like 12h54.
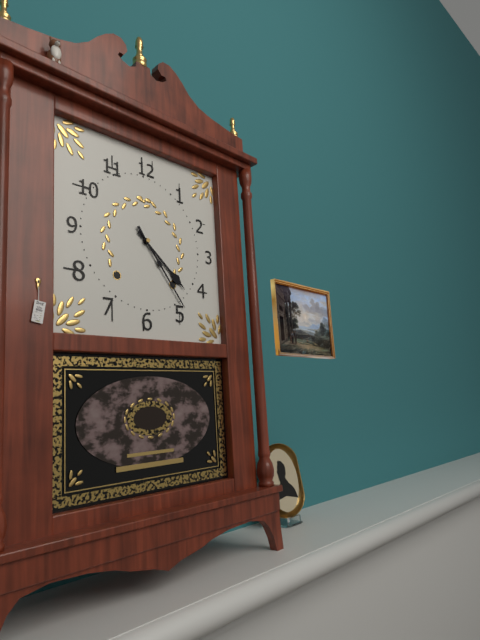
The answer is 4h24
